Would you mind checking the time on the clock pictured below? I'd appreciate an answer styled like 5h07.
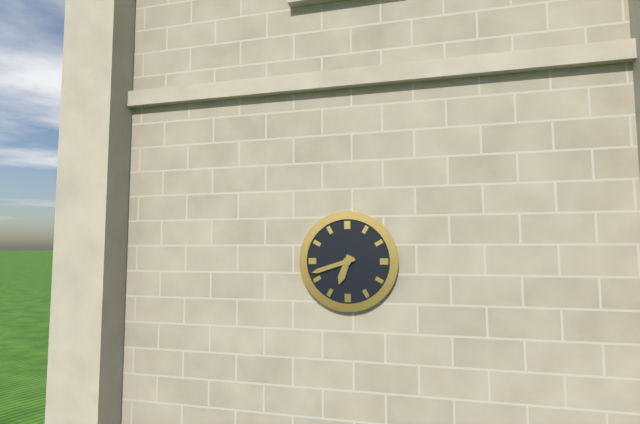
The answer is 6h42
